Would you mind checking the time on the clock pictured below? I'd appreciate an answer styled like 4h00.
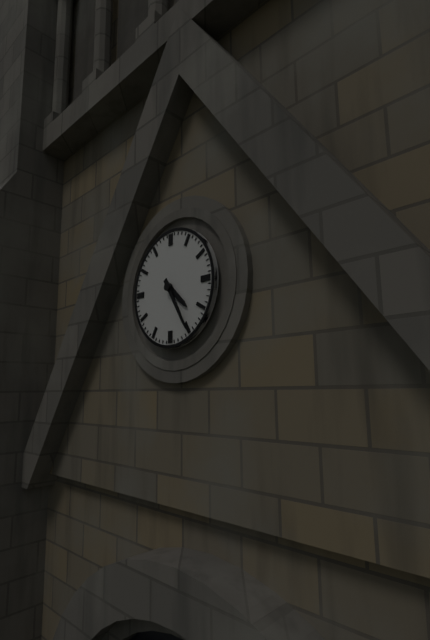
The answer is 4h25
